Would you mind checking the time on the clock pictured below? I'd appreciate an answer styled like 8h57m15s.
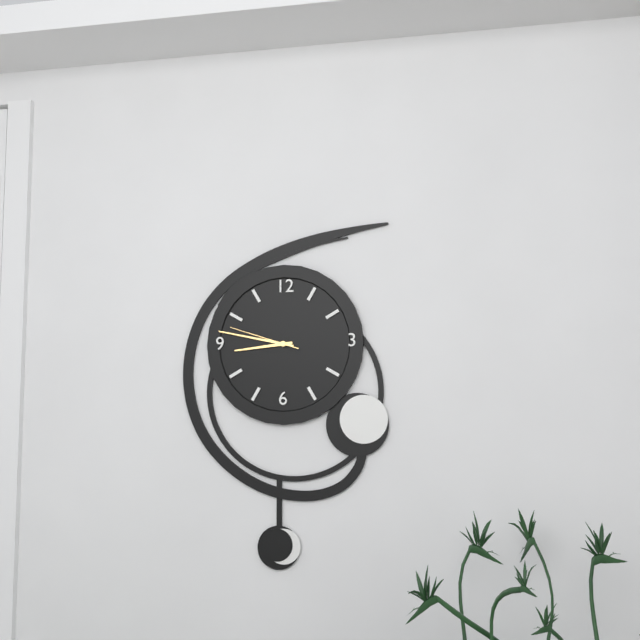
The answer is 8h47m48s
